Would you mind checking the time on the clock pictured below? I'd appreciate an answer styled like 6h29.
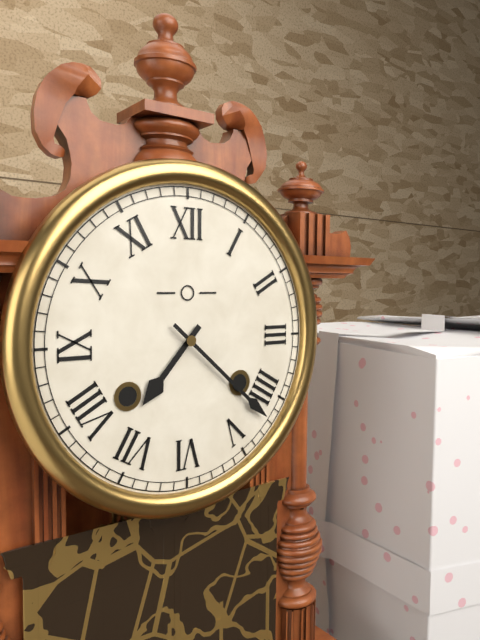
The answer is 7h22
